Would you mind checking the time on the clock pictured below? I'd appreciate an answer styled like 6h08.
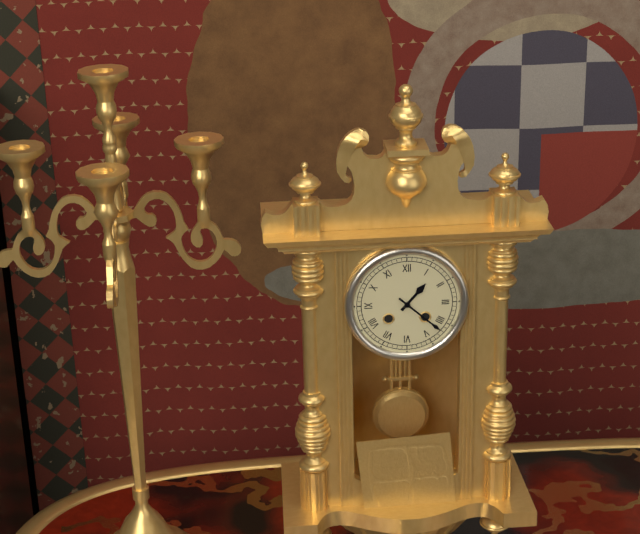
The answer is 1h22
